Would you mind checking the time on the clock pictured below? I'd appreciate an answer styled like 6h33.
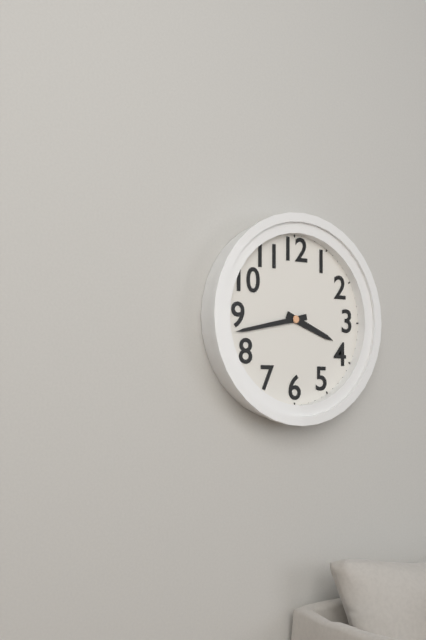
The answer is 3h43
